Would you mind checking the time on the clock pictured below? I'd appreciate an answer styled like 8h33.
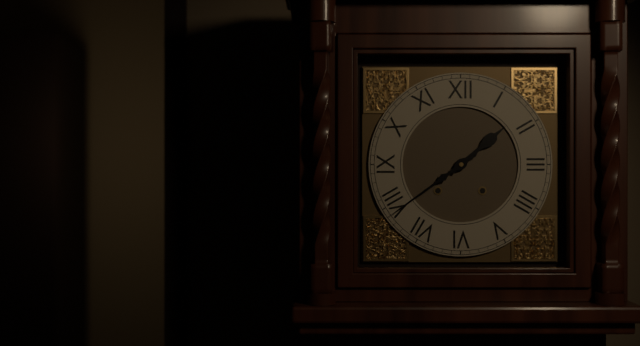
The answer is 1h39
